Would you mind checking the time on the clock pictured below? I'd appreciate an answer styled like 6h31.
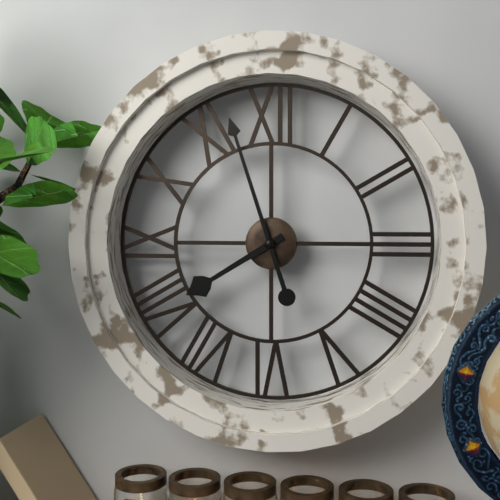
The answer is 7h57
